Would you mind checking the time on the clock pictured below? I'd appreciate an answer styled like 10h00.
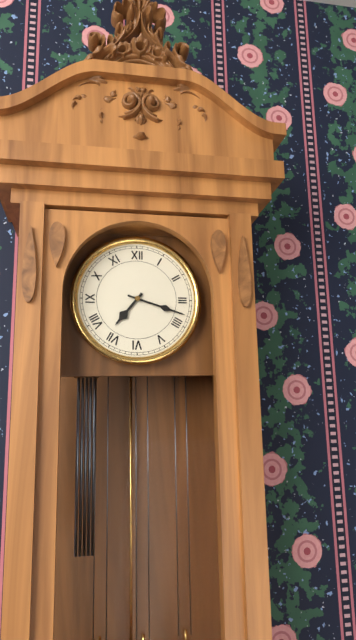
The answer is 7h18
